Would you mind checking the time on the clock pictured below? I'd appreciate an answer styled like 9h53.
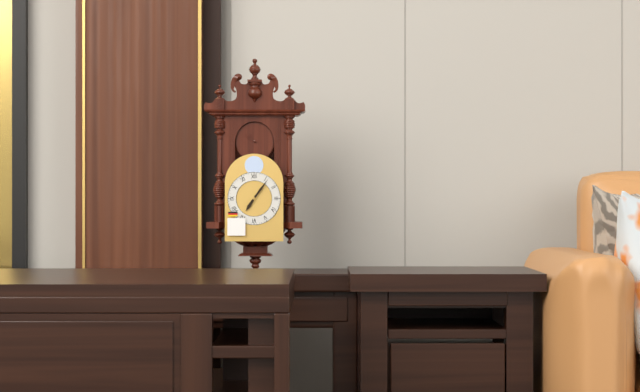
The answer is 7h06
